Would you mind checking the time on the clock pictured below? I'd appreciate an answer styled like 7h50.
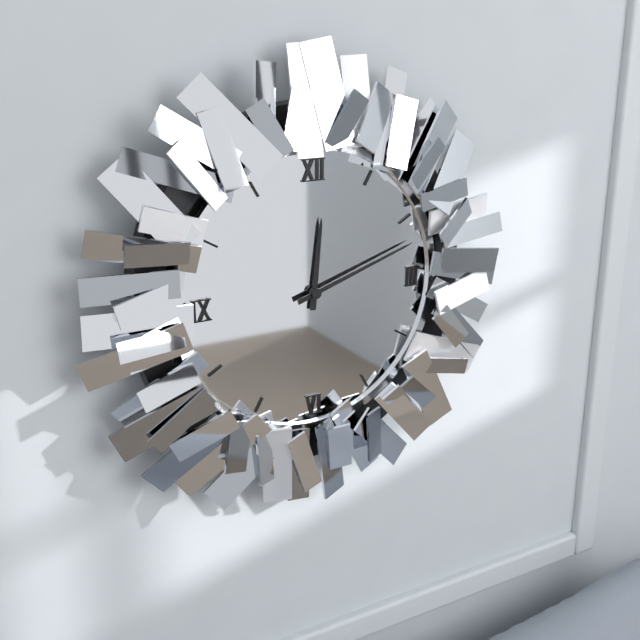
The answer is 12h12
